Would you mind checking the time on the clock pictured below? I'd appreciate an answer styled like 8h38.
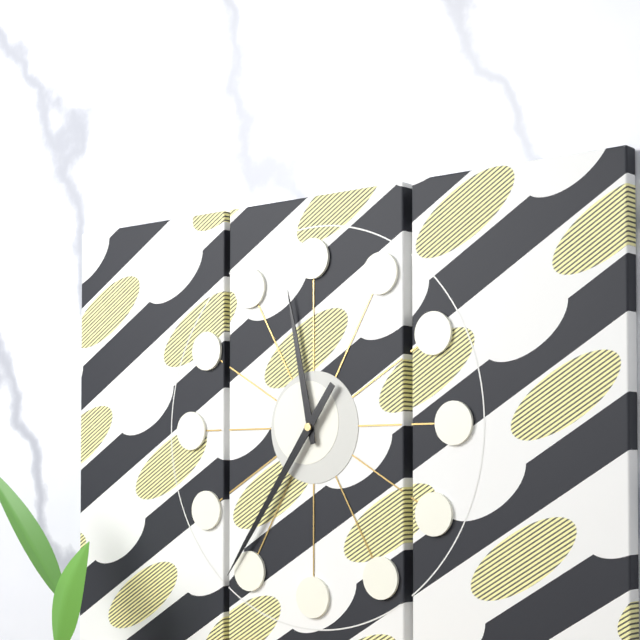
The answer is 11h36
